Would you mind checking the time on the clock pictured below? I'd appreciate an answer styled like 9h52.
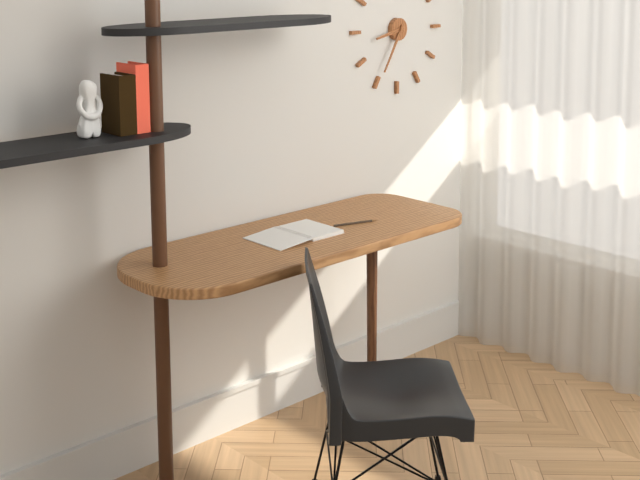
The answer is 8h35
